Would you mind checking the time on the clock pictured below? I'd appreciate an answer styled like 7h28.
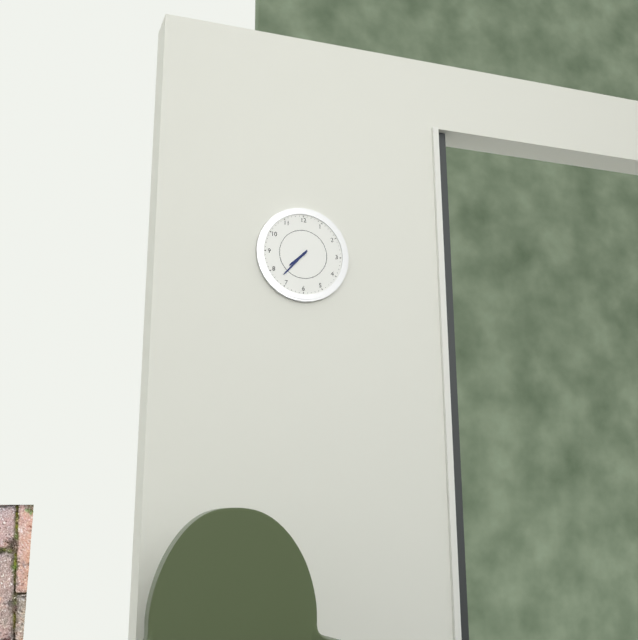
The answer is 7h37
